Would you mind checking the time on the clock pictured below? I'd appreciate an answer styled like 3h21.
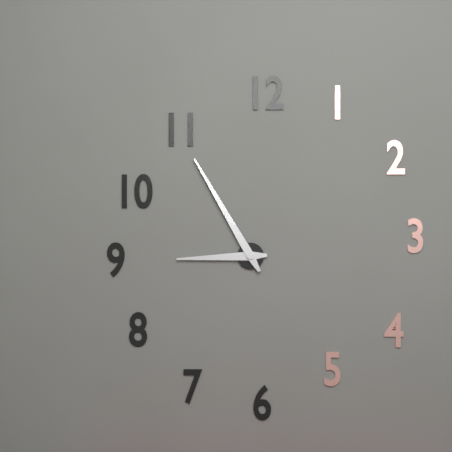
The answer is 8h55
